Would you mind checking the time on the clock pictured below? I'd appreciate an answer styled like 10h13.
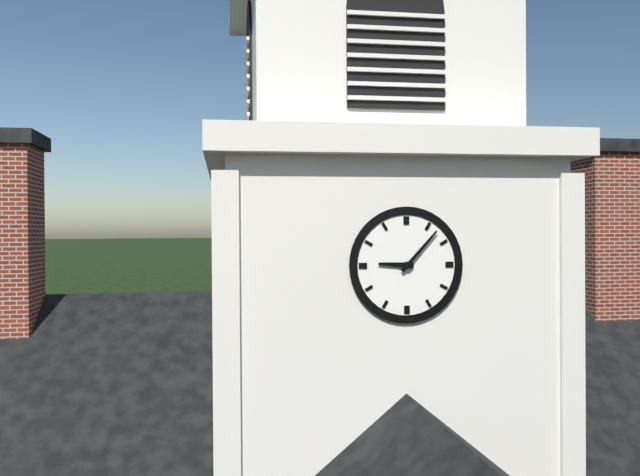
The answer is 9h07
